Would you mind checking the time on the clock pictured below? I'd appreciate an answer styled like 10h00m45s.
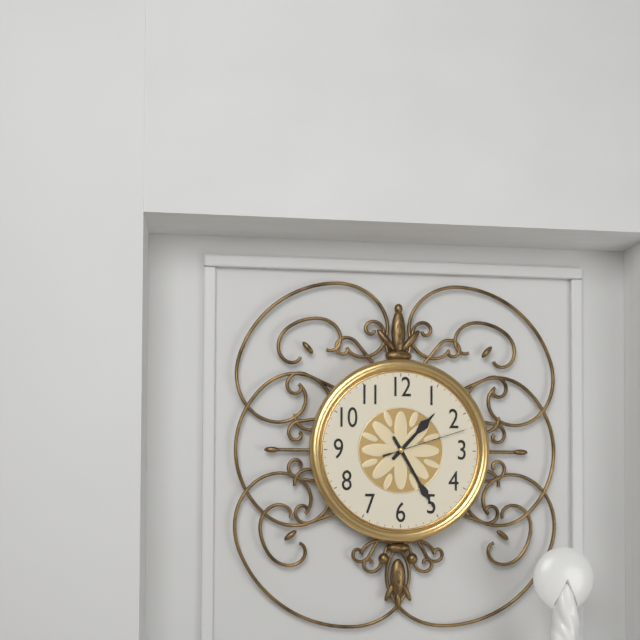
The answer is 1h25m12s
